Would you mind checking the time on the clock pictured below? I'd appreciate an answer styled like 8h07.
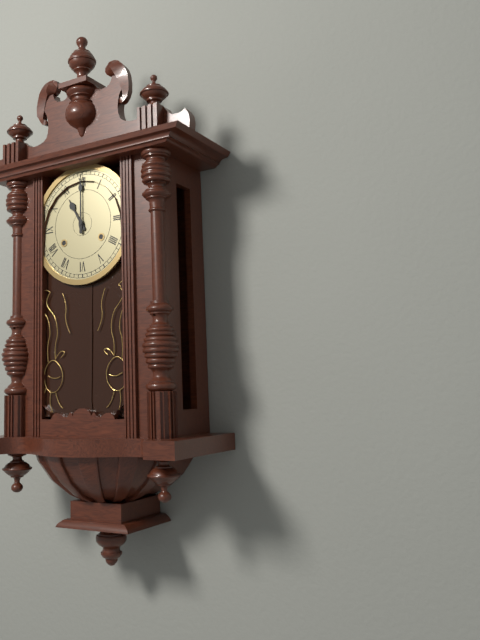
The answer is 11h00
